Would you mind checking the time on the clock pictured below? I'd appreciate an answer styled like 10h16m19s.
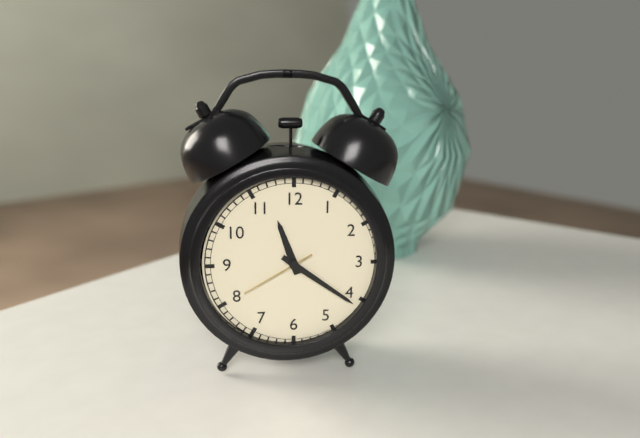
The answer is 11h21m40s
